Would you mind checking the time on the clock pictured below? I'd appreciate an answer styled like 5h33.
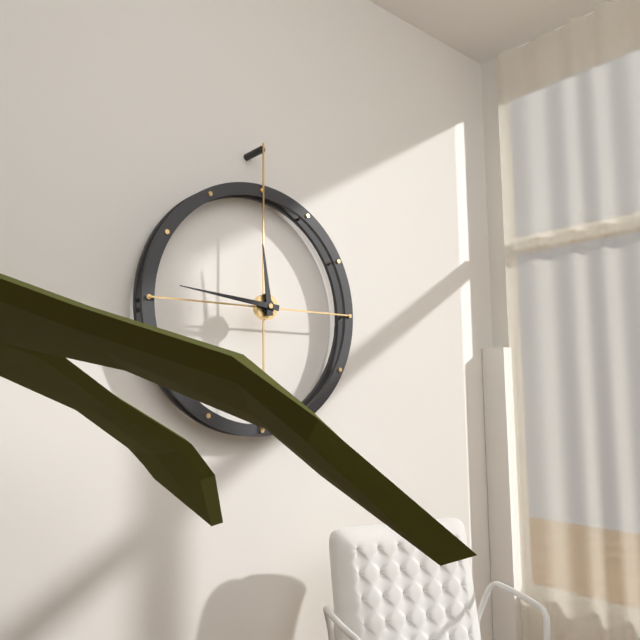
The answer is 11h46
